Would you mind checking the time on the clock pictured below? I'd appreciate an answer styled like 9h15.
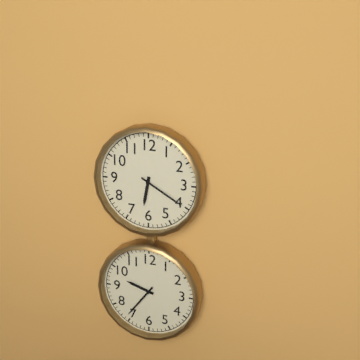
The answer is 6h20
